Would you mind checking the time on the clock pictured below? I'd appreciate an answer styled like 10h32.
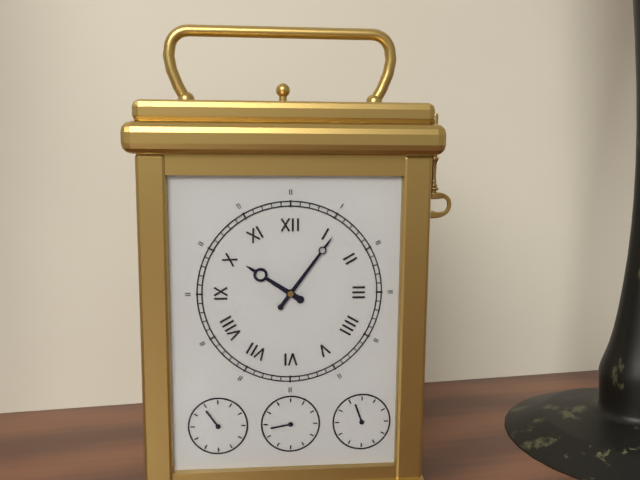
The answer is 10h06
